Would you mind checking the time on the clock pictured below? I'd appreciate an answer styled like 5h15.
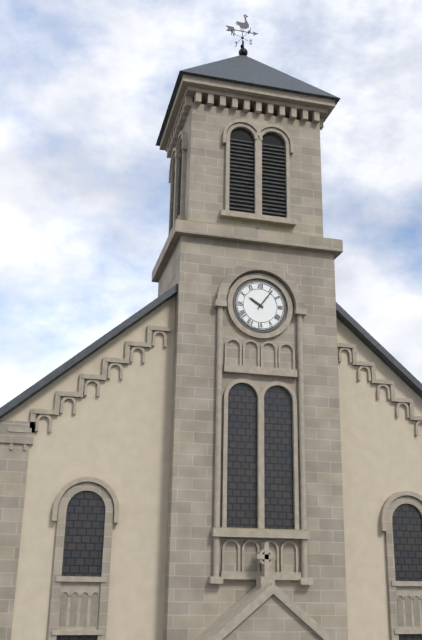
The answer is 10h06
